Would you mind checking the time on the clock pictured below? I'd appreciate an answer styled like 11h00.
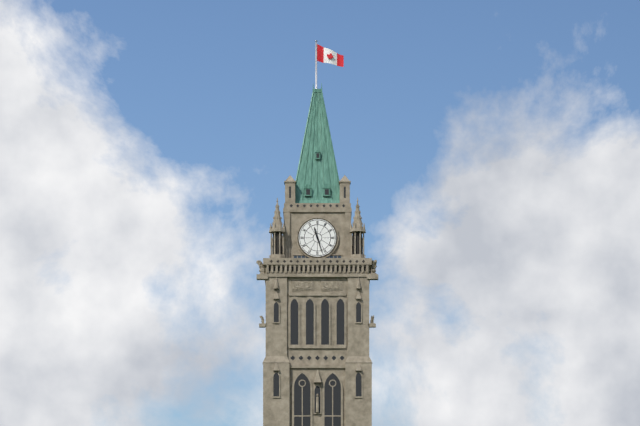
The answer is 11h27
